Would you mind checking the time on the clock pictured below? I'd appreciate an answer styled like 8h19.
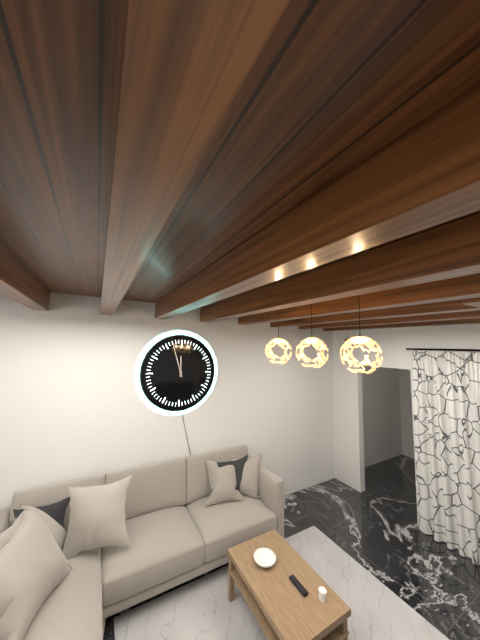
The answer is 11h57
